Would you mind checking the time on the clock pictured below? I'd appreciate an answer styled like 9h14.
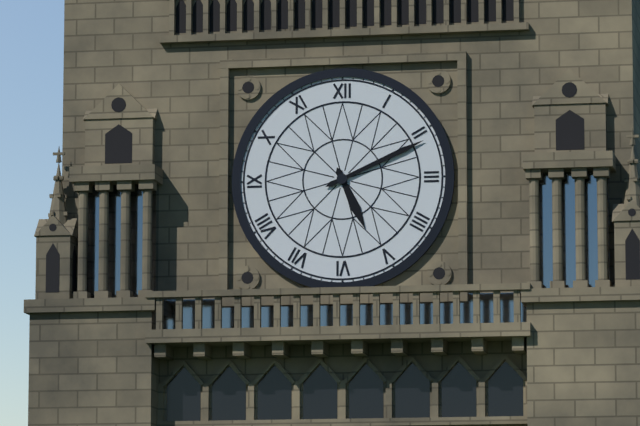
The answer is 5h11
